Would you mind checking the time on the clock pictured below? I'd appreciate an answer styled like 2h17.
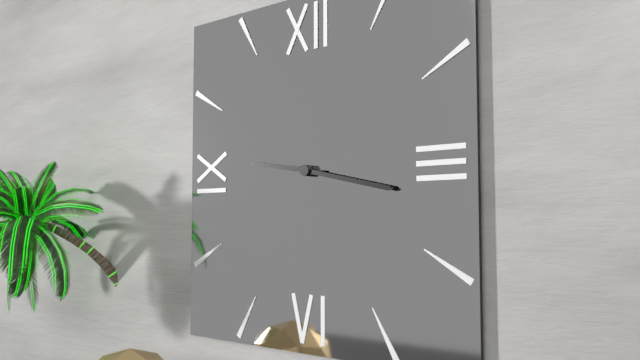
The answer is 9h17
